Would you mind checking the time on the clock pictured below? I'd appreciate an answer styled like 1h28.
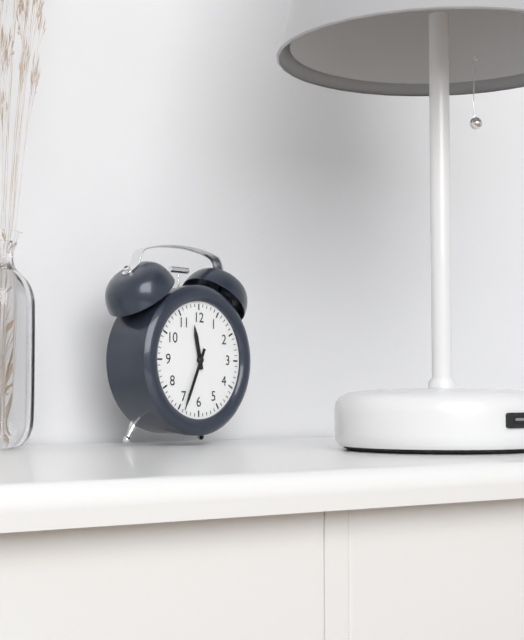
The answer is 11h34
